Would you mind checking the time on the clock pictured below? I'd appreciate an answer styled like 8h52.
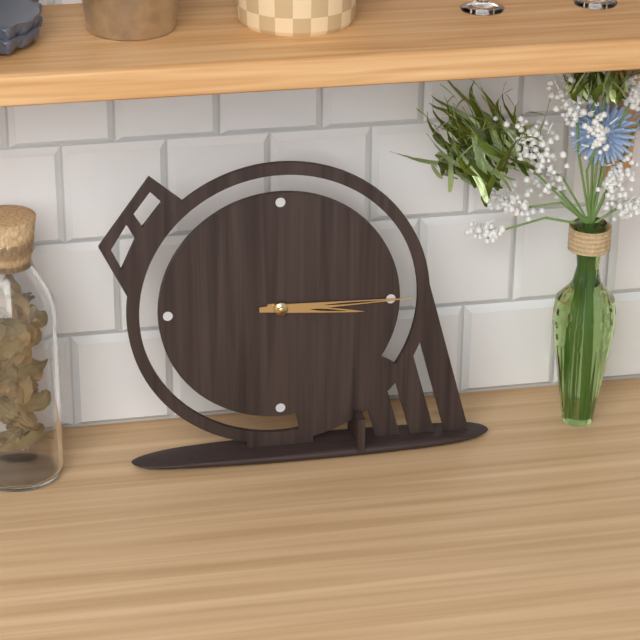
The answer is 3h15
